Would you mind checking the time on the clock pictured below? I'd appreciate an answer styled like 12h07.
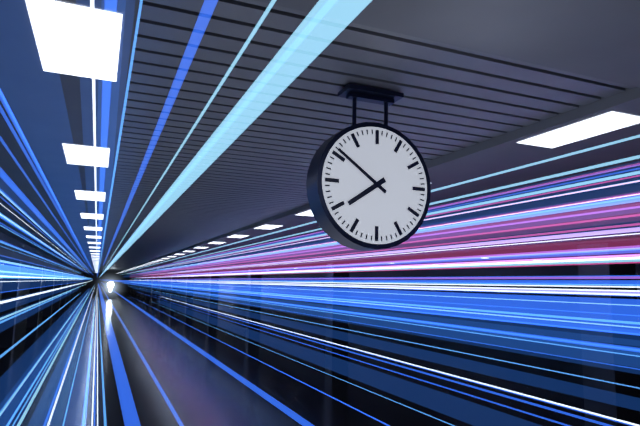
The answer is 7h51
